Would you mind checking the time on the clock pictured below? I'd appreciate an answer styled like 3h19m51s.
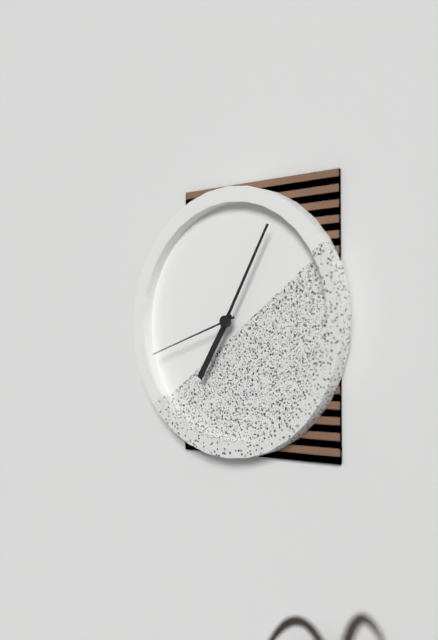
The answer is 7h05m42s
